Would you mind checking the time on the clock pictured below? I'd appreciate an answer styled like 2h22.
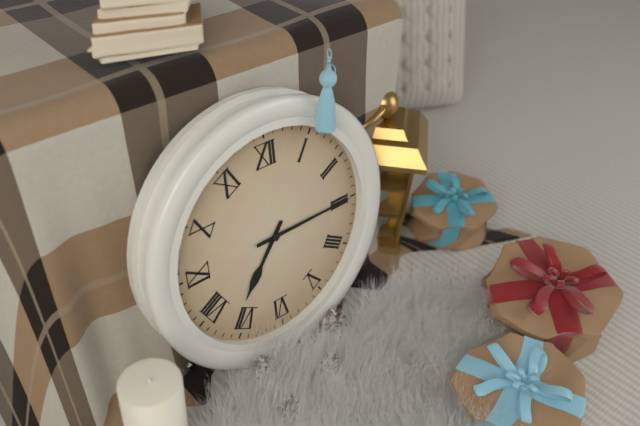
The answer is 7h15
